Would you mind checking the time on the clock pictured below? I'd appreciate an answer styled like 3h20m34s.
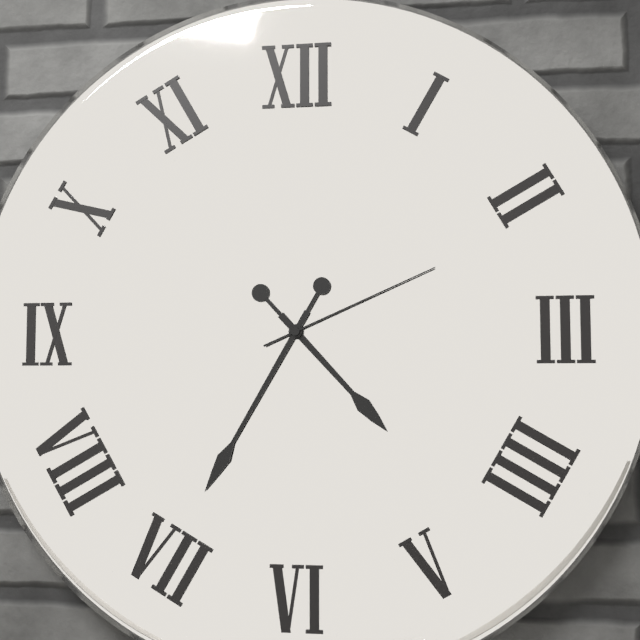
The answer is 4h35m11s
